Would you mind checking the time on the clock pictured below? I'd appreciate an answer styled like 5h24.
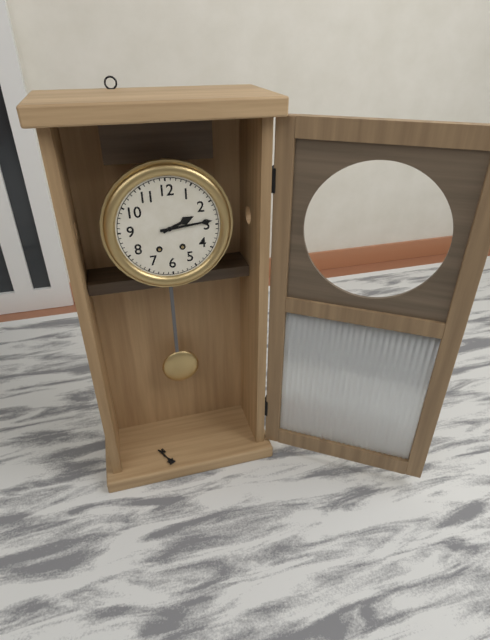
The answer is 2h14
